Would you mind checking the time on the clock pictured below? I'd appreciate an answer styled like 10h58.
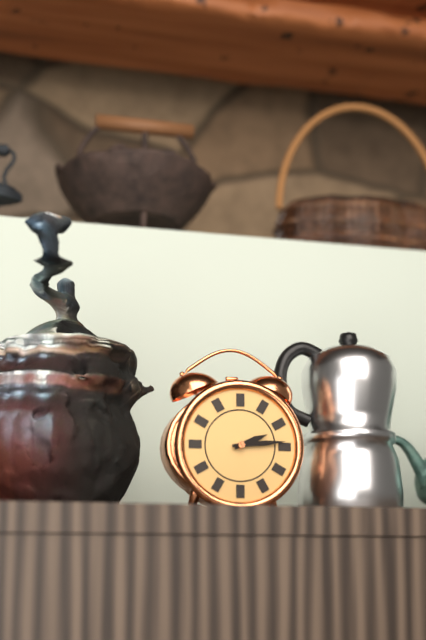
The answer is 2h14
